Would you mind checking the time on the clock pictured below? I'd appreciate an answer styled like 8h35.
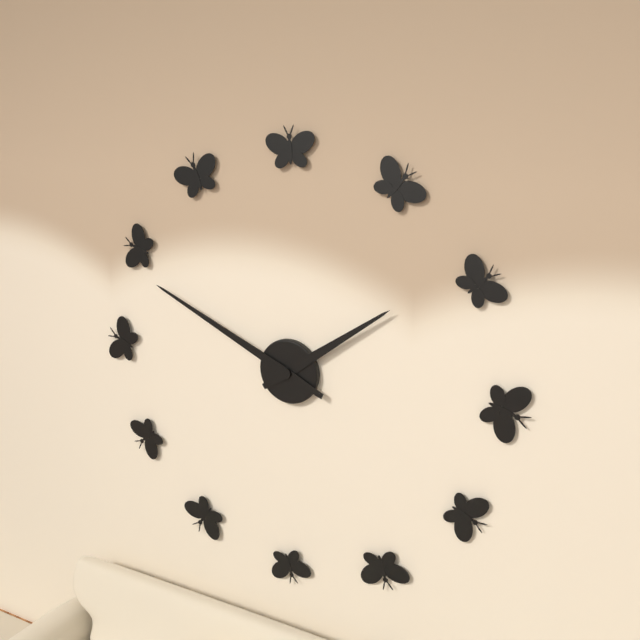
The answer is 1h49
